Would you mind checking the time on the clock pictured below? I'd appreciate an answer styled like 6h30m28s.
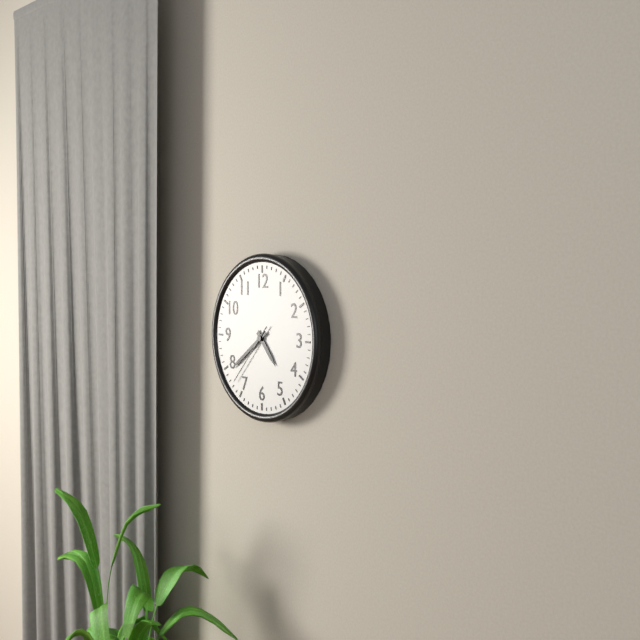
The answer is 4h39m37s
